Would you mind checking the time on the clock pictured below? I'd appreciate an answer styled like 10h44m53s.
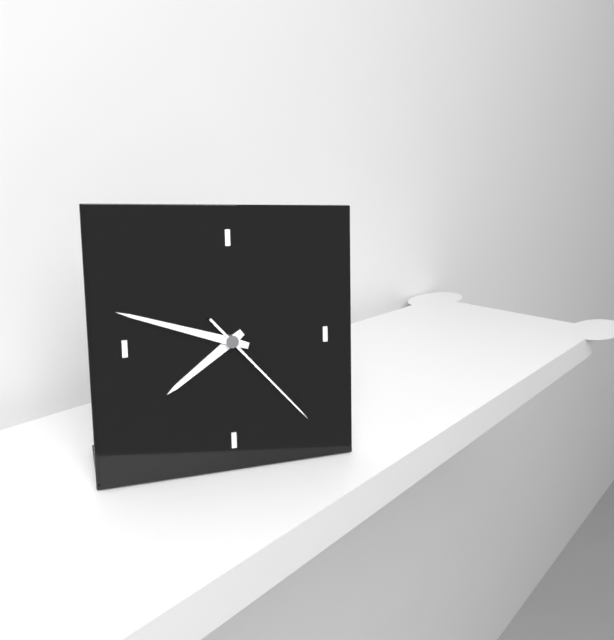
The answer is 7h48m23s
